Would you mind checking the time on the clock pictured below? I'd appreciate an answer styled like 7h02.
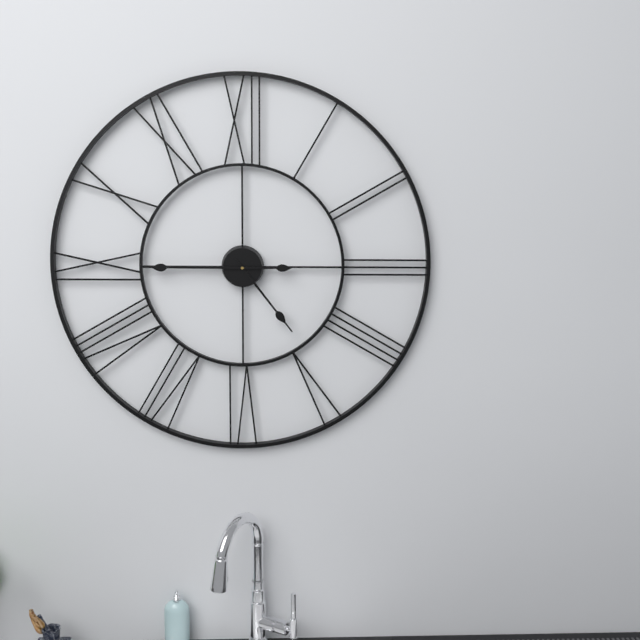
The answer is 4h45
